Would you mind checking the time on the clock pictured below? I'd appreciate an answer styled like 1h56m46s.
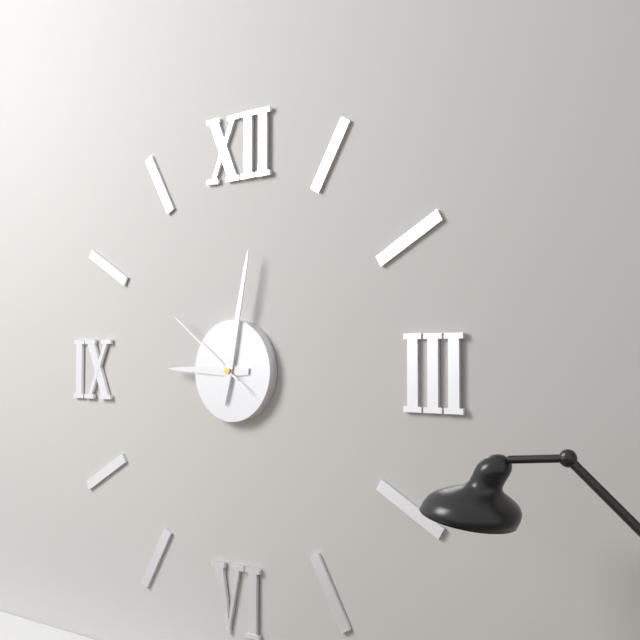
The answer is 9h02m51s
